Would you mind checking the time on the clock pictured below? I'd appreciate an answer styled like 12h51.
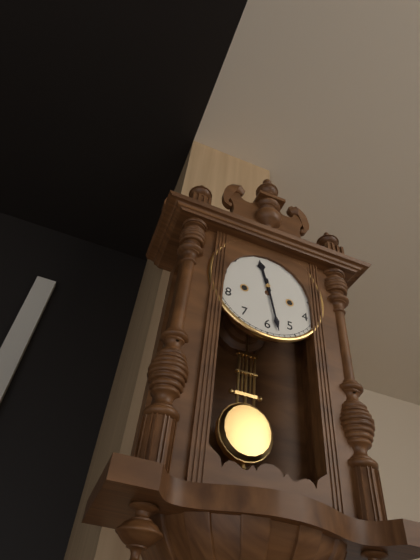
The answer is 11h28
